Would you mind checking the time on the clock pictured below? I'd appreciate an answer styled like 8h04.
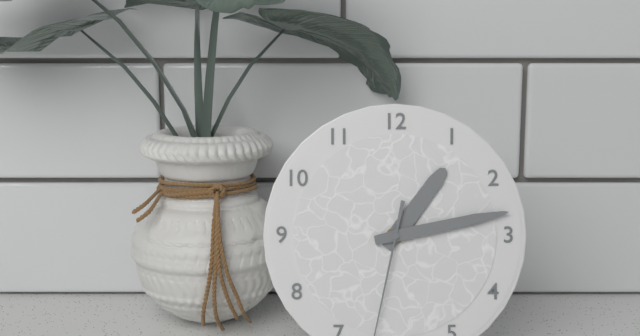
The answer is 1h13
